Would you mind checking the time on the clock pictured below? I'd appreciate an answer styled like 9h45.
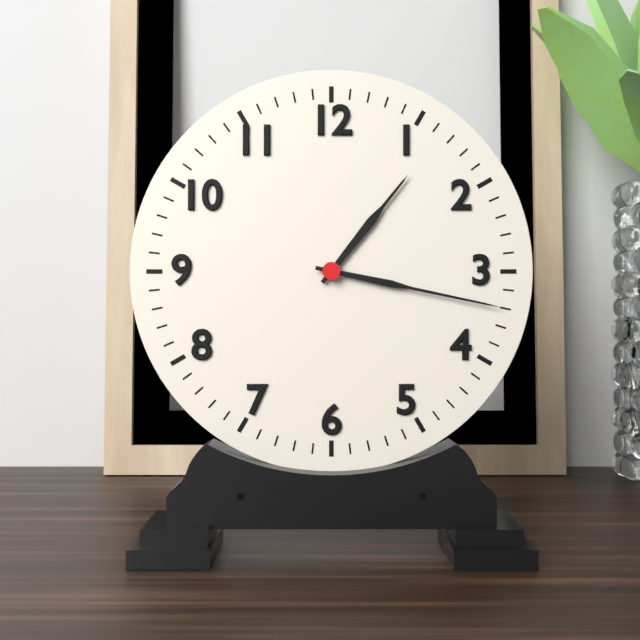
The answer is 1h17
